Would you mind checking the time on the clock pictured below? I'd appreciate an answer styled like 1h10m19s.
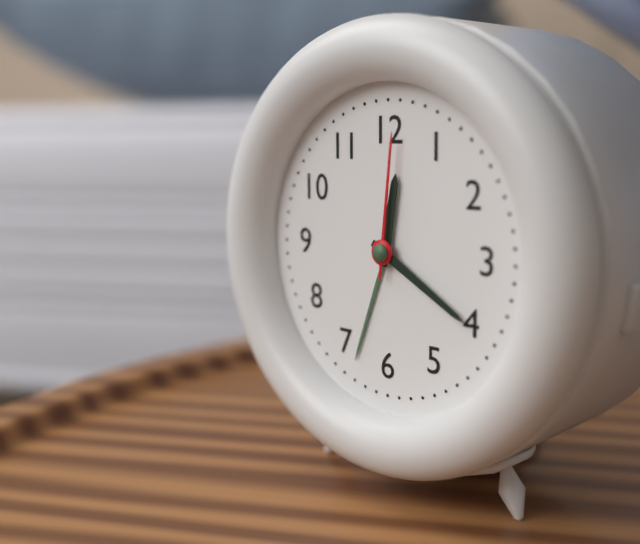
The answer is 12h20m01s
